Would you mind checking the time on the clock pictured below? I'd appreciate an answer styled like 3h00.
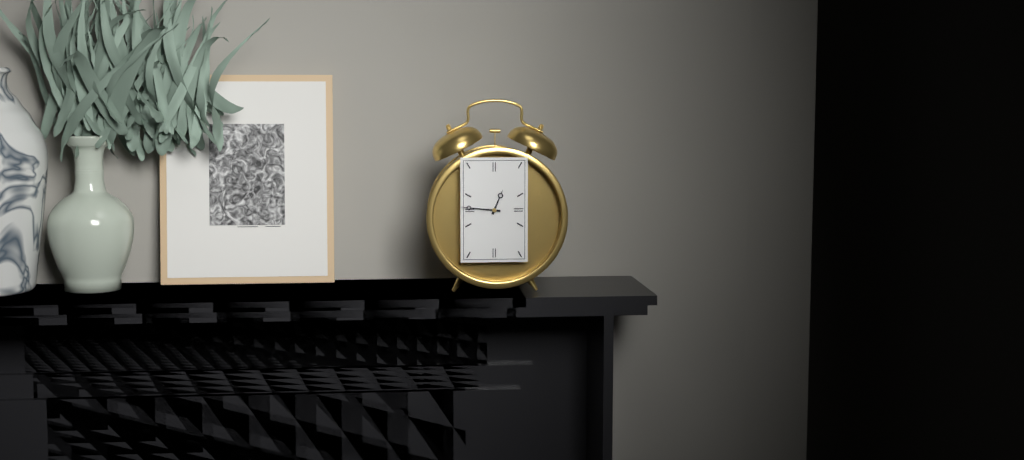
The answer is 12h46
